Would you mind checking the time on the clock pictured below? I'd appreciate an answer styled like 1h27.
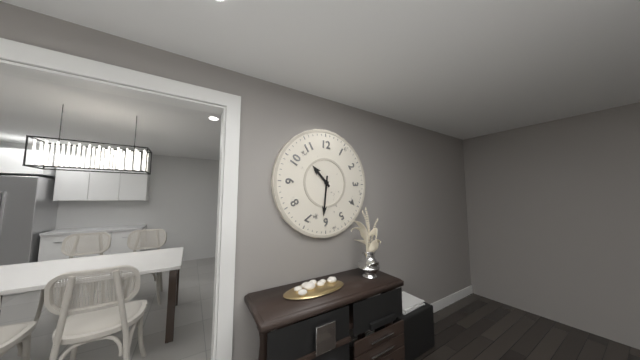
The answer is 10h31
